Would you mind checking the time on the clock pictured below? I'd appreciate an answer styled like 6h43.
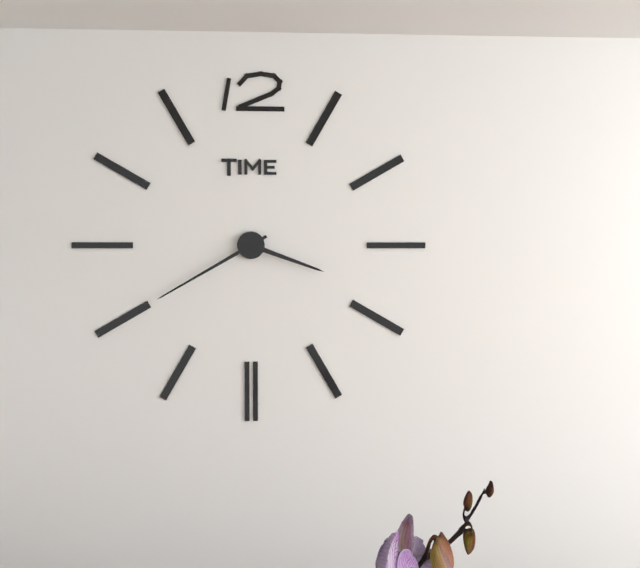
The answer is 3h40
